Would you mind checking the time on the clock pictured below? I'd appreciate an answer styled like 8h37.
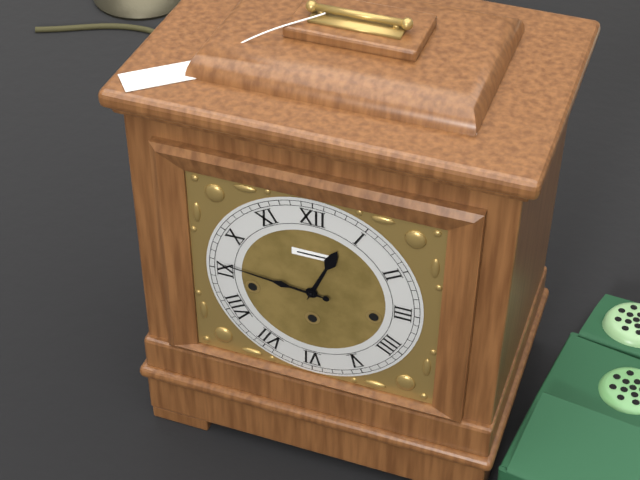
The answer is 12h46
